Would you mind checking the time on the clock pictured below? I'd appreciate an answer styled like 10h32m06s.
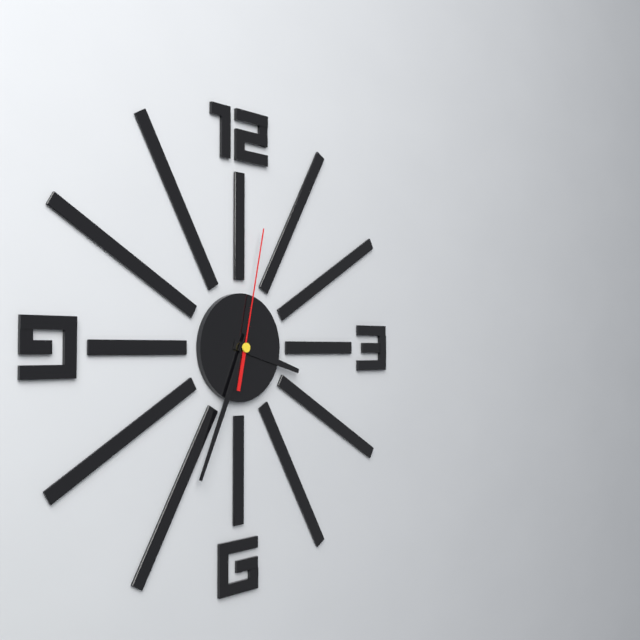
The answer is 3h34m02s
